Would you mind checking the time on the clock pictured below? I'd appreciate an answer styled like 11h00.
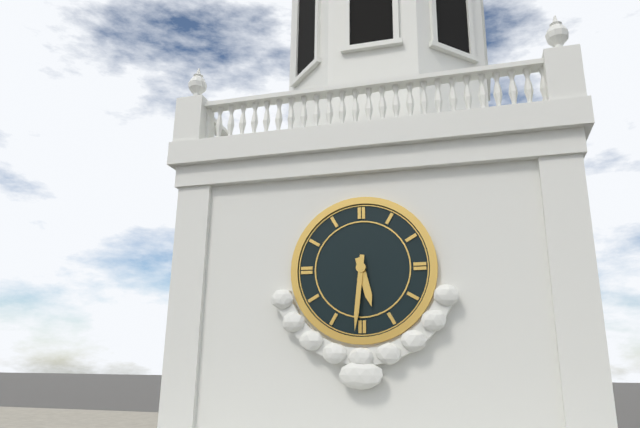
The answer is 5h31
